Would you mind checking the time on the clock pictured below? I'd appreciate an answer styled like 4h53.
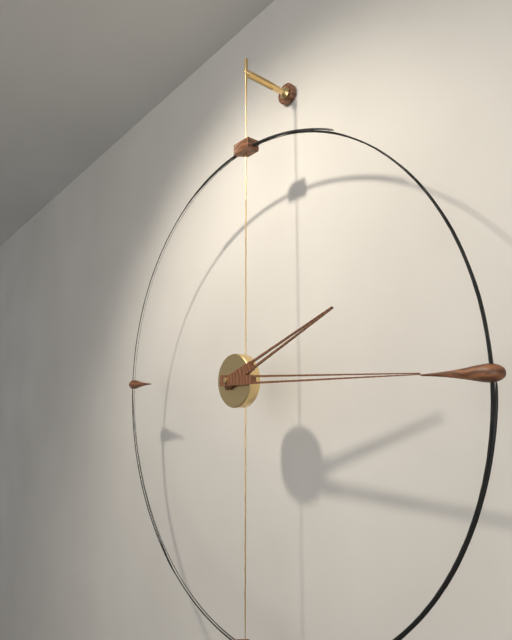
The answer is 2h15
